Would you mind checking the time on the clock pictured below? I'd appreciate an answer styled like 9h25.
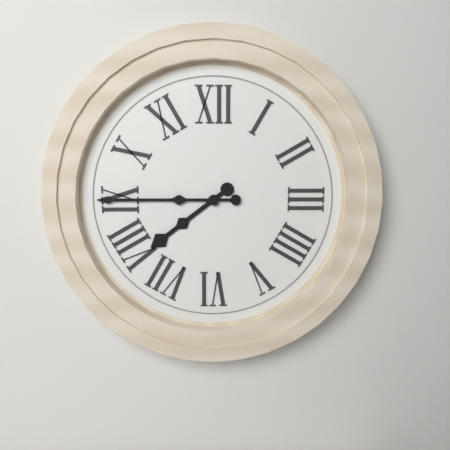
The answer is 7h45
